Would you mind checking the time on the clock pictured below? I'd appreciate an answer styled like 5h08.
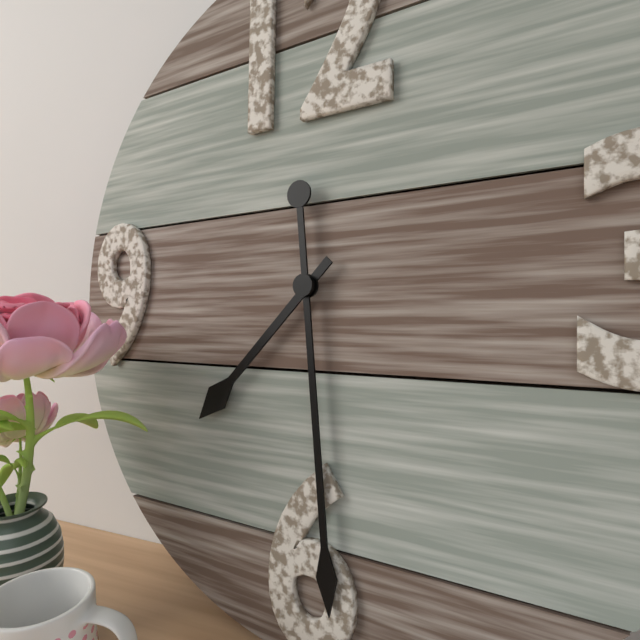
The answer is 7h29
